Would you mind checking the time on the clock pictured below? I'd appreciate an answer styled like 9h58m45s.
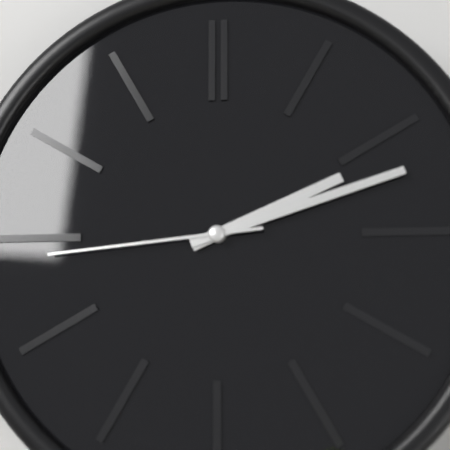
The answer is 2h12m44s
